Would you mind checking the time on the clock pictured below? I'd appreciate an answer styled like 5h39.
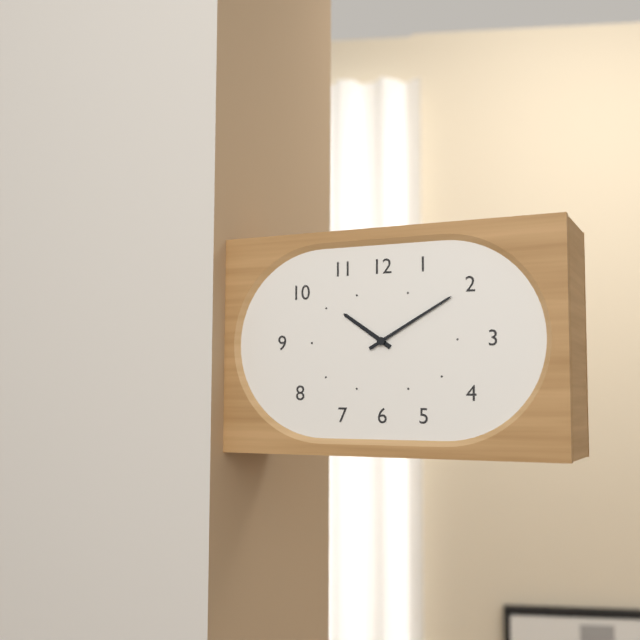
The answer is 10h10
